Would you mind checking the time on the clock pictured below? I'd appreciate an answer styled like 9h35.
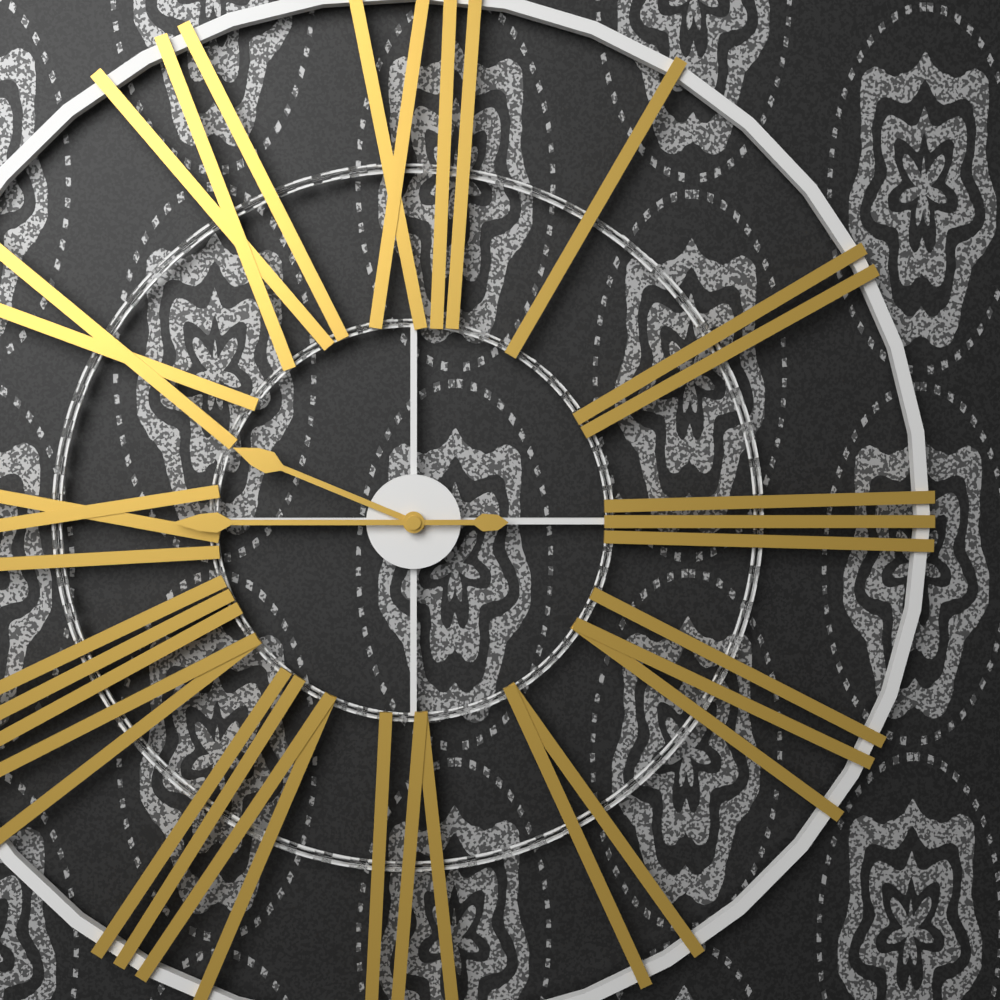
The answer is 9h45
